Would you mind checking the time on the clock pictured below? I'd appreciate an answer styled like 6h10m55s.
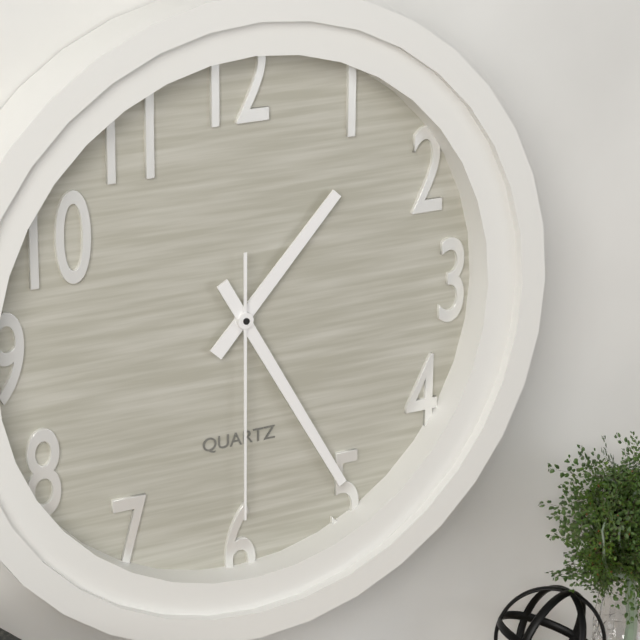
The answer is 1h25m30s
